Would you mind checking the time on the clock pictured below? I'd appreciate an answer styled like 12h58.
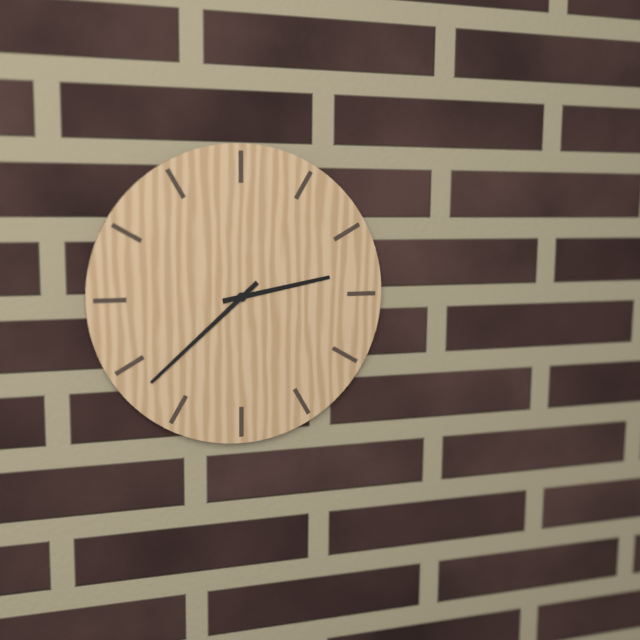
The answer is 2h38
